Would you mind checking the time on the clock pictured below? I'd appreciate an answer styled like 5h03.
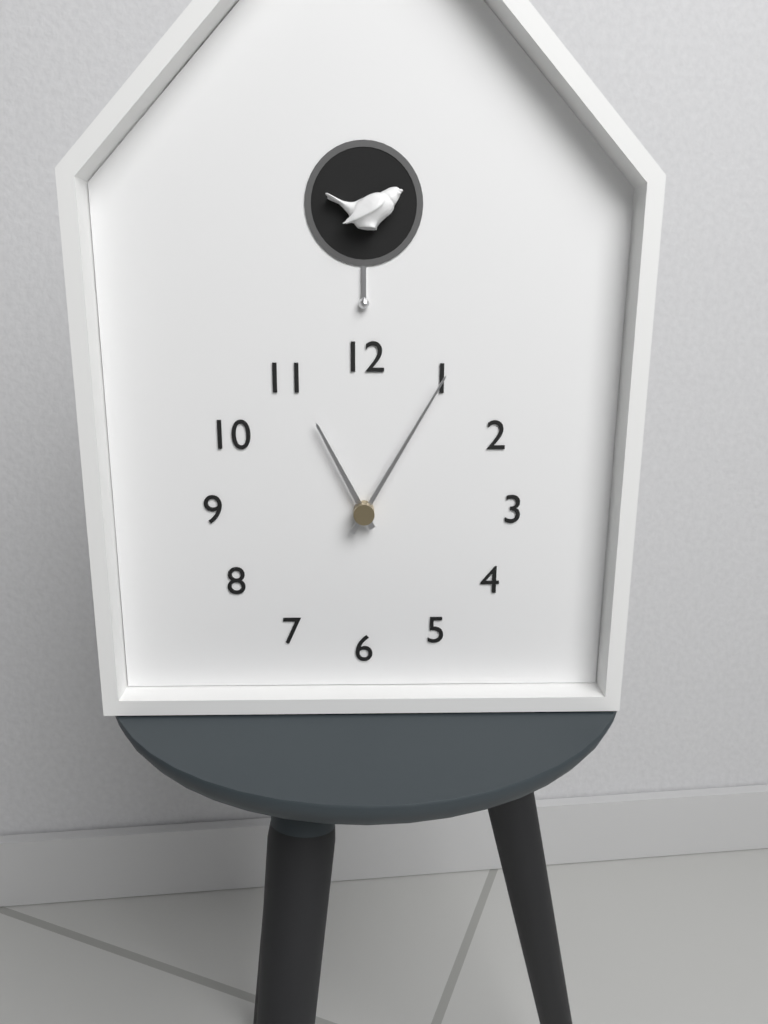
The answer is 11h05
